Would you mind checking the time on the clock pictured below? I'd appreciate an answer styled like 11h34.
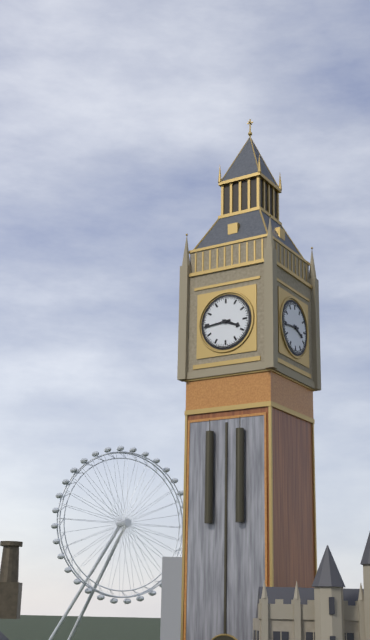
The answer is 3h44
